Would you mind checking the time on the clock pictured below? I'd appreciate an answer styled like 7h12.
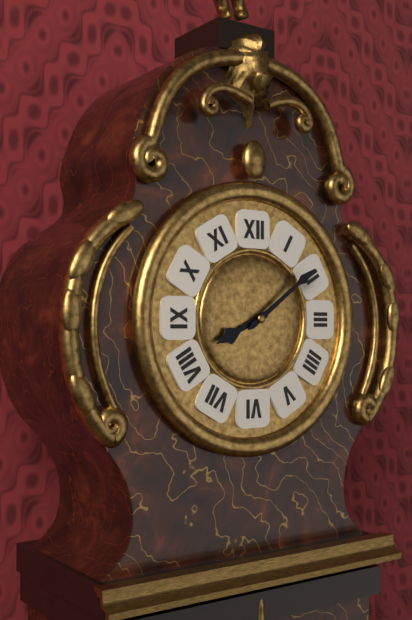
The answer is 8h09
